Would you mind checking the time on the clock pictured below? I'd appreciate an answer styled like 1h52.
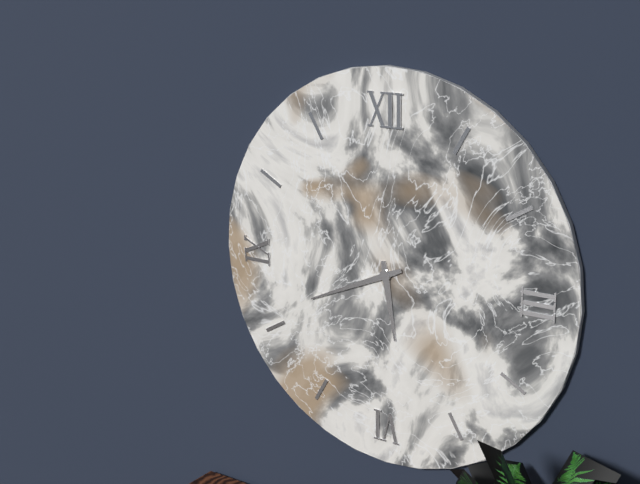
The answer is 5h41
